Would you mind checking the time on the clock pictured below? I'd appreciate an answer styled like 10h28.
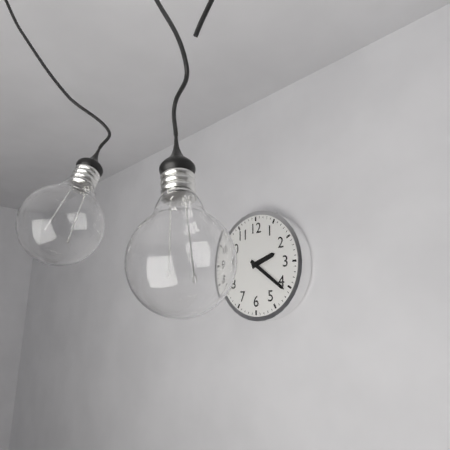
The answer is 2h21
